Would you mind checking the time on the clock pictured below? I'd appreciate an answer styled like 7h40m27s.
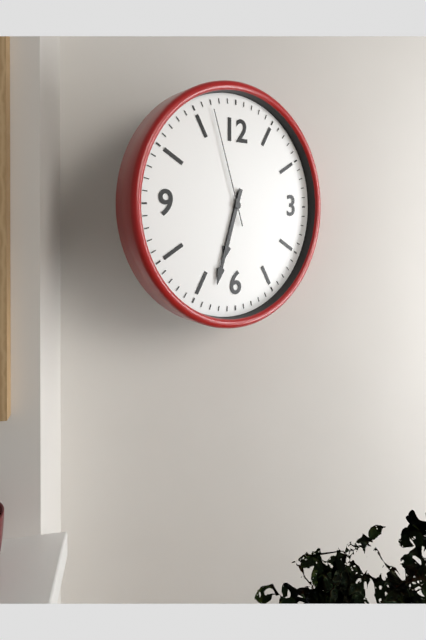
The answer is 6h33m57s
